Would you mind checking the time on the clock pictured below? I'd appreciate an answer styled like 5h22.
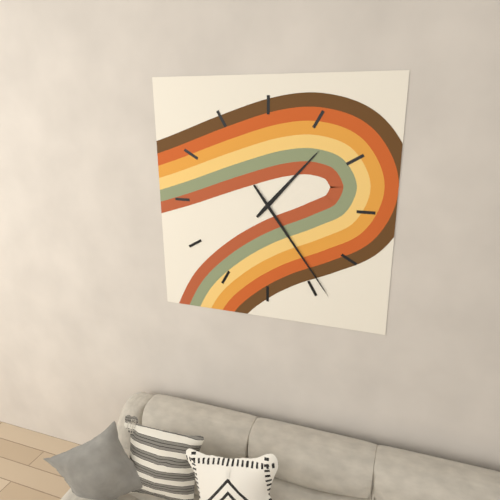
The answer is 1h24
